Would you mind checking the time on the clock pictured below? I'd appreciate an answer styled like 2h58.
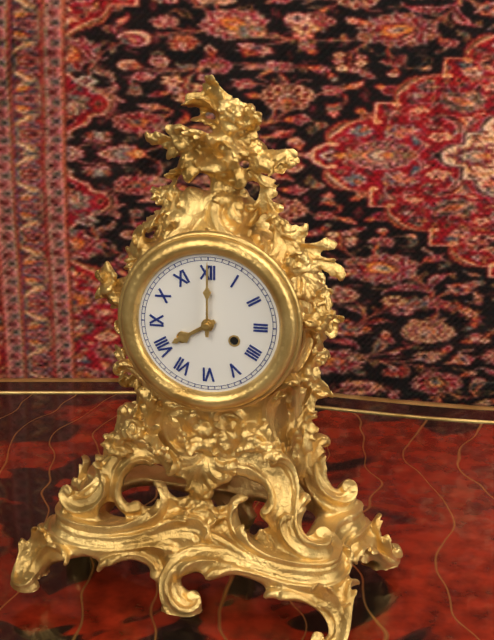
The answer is 8h00
